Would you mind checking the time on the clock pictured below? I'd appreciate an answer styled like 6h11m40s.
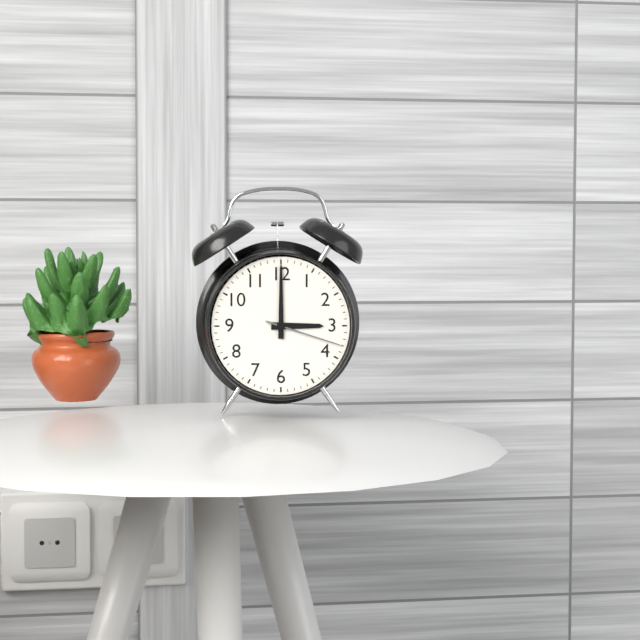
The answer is 3h00m18s
